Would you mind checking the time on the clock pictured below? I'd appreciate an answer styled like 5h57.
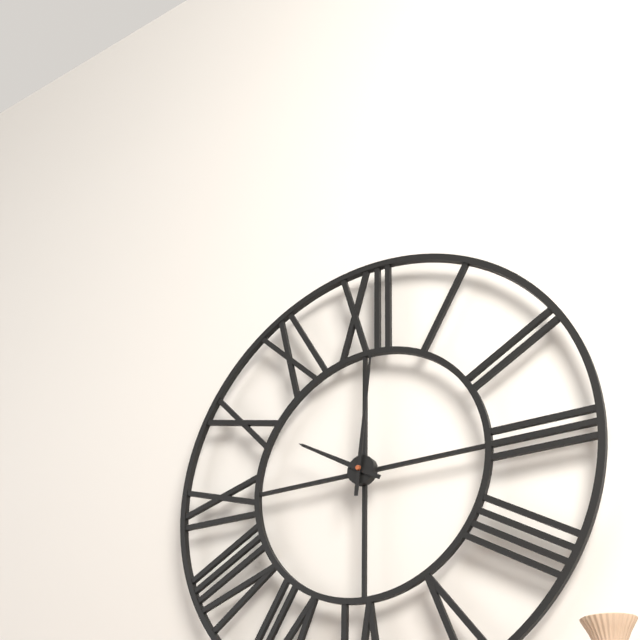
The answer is 10h01
